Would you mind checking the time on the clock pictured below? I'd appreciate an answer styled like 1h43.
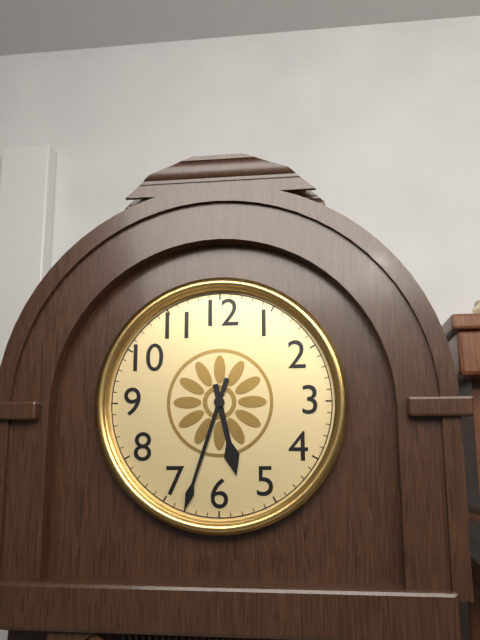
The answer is 5h33
